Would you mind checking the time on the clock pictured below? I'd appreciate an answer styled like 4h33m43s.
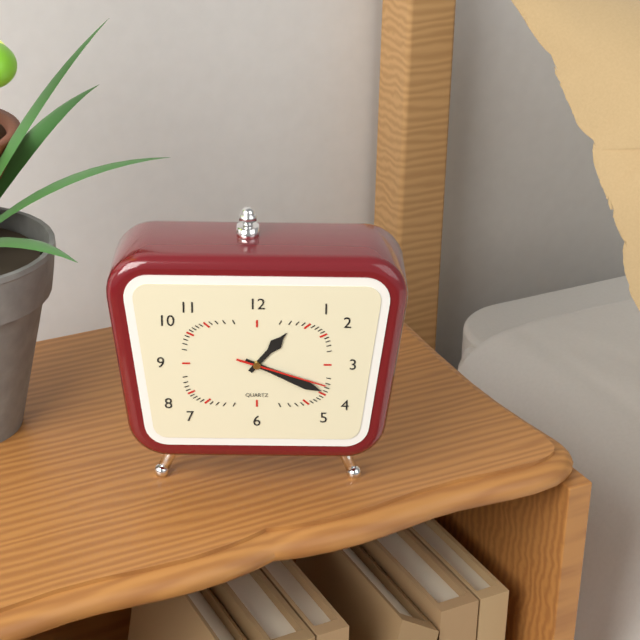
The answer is 1h19m18s
